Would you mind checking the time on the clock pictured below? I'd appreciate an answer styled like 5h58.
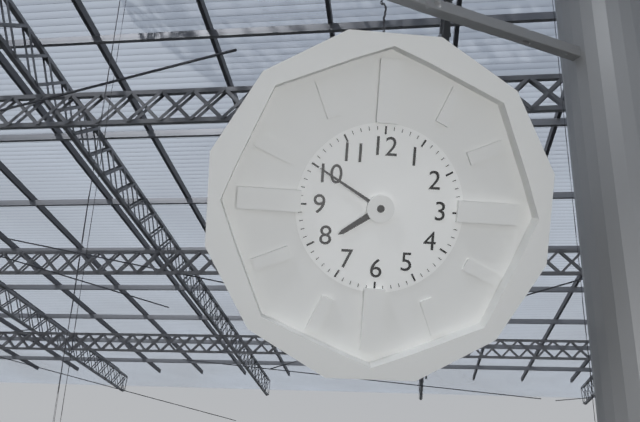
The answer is 7h50
